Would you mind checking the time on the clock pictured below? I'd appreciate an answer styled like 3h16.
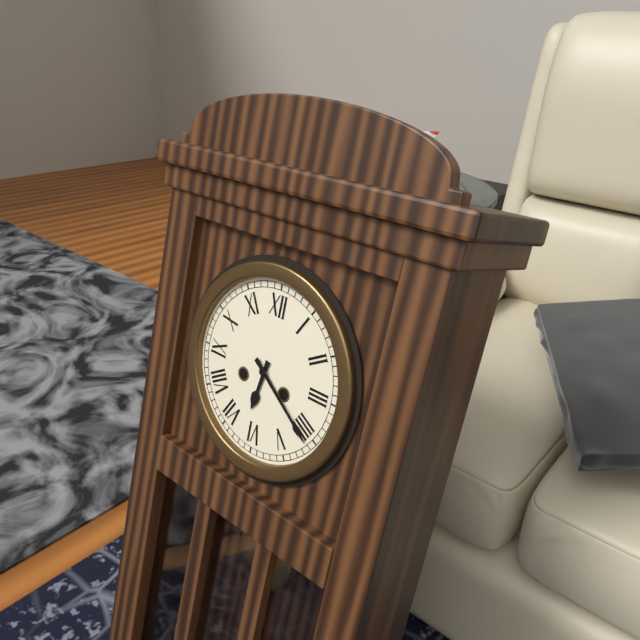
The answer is 6h21
